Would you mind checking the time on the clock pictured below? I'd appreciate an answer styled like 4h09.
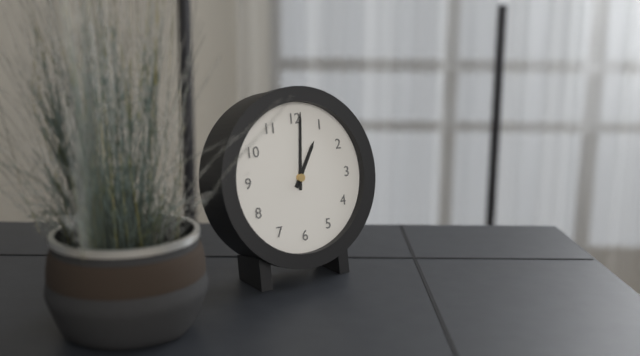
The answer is 1h01
